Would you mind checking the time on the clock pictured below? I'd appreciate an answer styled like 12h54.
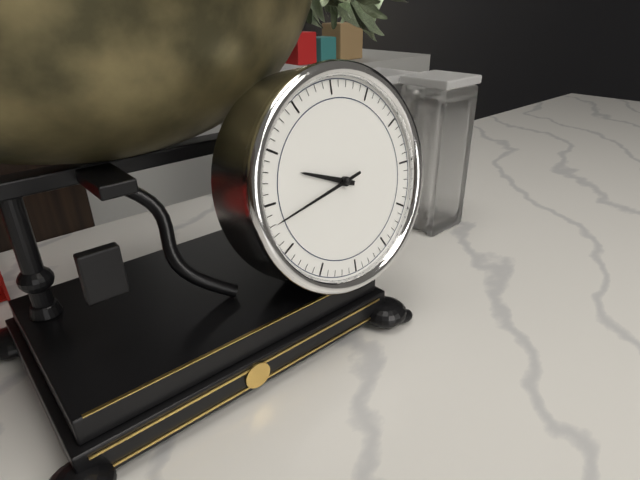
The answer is 9h43
